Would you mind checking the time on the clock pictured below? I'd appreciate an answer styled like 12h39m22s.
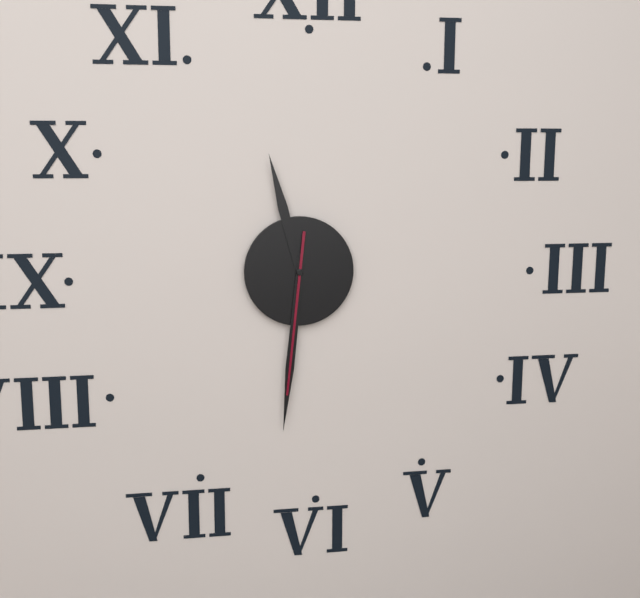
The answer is 11h31m31s
